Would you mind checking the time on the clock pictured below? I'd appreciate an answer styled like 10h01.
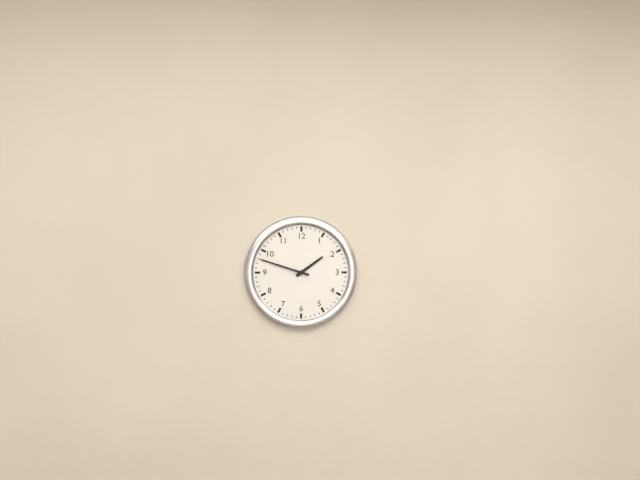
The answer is 1h48
